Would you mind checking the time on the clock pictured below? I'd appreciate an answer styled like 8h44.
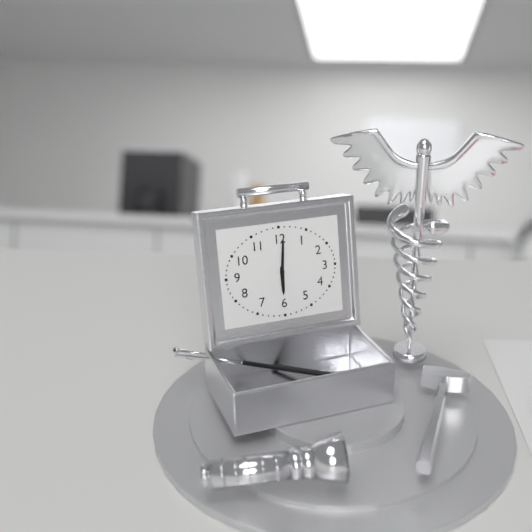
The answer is 6h01
